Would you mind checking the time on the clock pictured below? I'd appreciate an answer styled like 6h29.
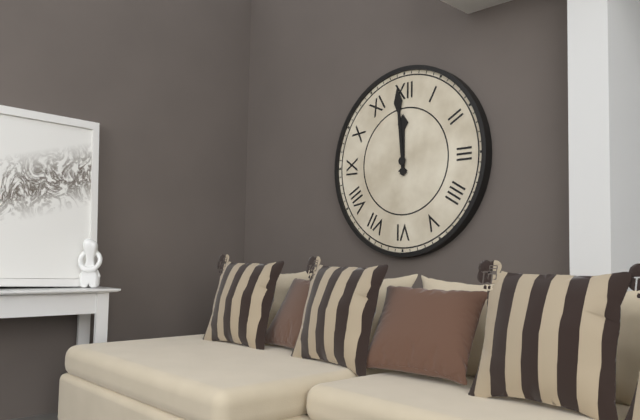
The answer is 11h59
